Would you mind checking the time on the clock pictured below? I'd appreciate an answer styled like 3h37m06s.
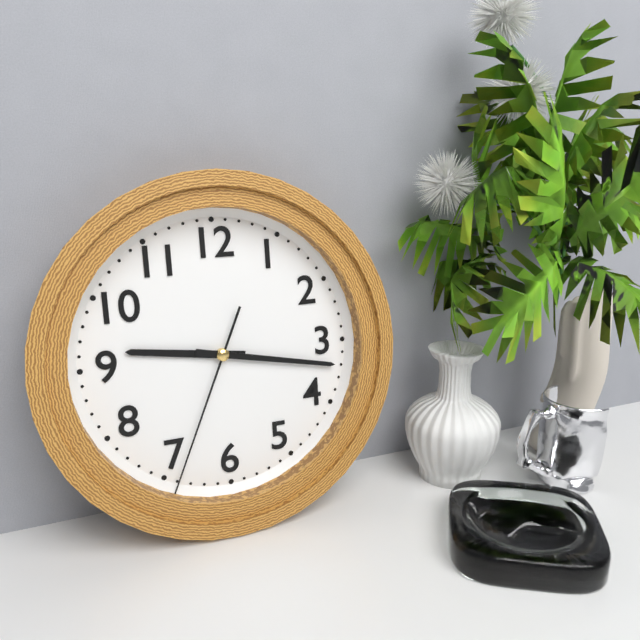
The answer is 9h17m34s
